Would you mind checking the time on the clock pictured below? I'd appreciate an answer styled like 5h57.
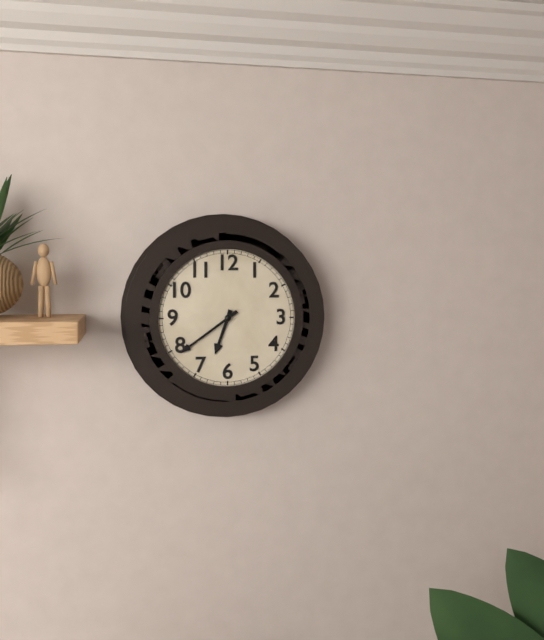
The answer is 6h39
